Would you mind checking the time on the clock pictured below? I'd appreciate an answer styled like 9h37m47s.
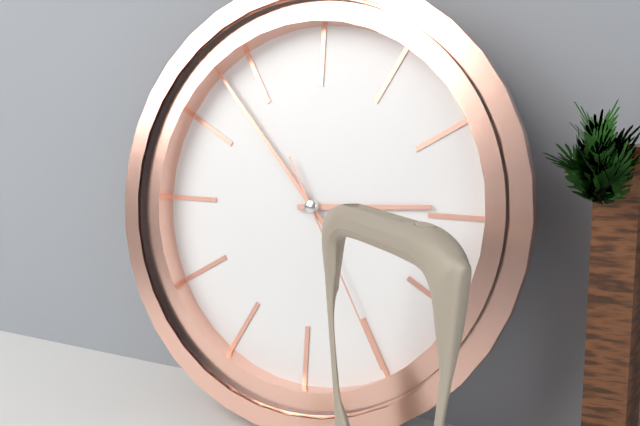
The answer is 2h53m25s
